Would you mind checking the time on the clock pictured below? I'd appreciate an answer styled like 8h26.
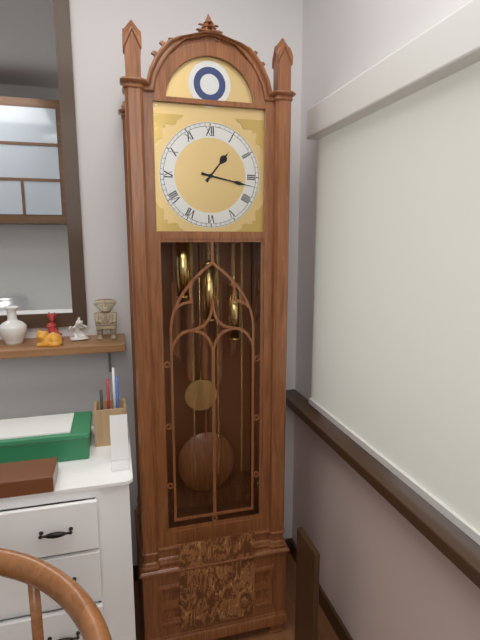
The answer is 1h17
